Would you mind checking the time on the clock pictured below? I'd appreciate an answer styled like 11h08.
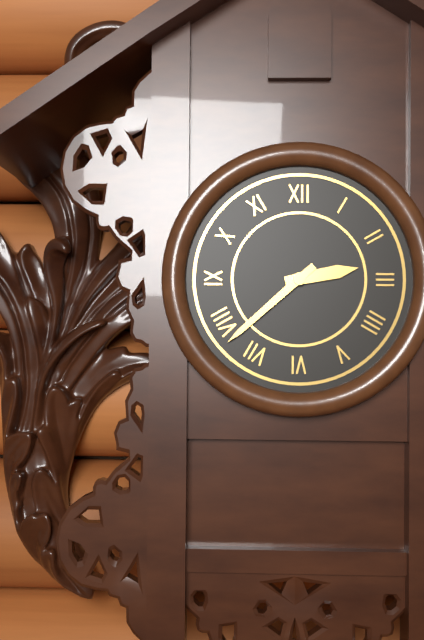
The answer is 2h38
